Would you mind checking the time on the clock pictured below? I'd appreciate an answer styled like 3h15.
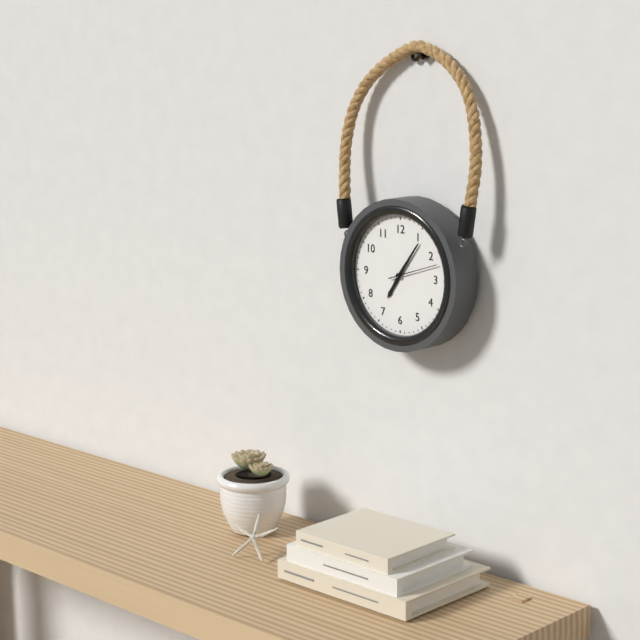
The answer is 7h06
